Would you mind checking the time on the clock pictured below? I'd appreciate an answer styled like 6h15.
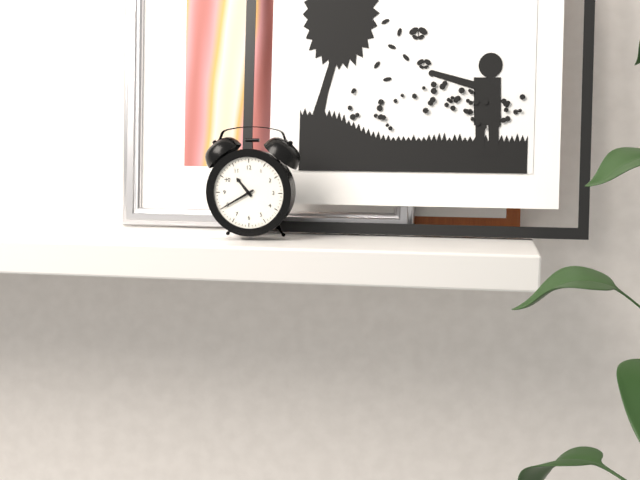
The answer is 10h40
